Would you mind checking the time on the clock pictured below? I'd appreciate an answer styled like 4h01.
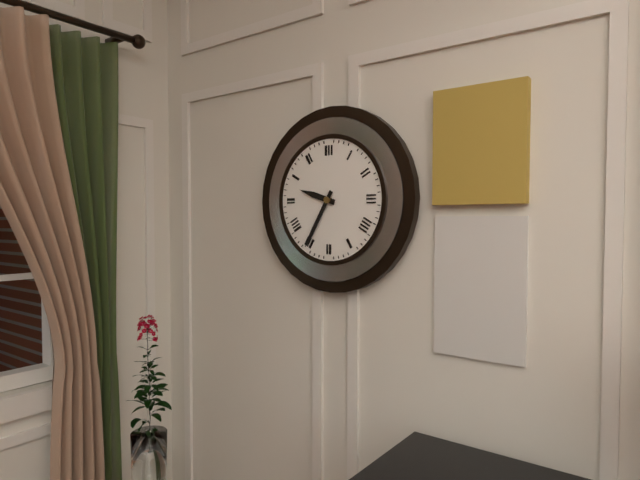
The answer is 9h35
